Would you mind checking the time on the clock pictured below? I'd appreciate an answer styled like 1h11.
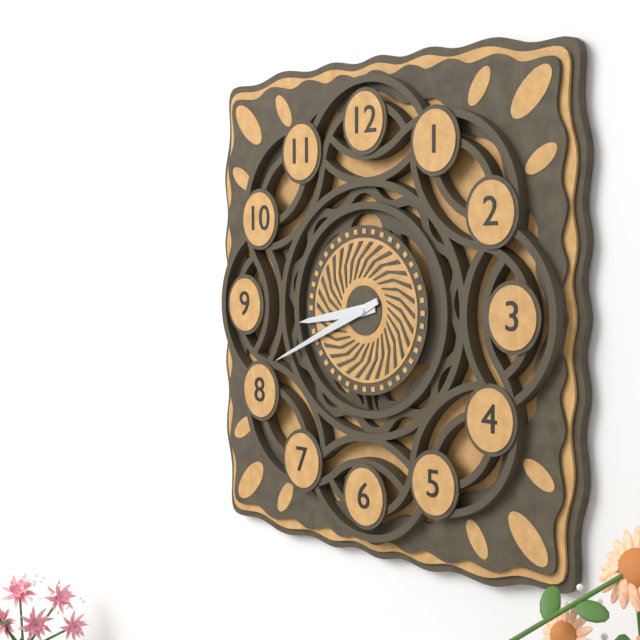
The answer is 8h41
